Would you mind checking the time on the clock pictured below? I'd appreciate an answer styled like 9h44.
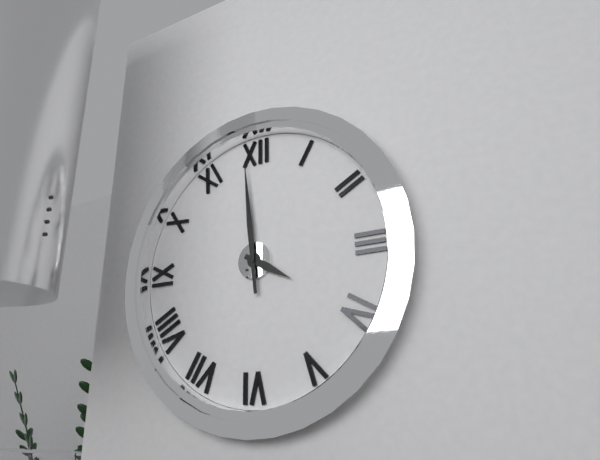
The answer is 3h59
